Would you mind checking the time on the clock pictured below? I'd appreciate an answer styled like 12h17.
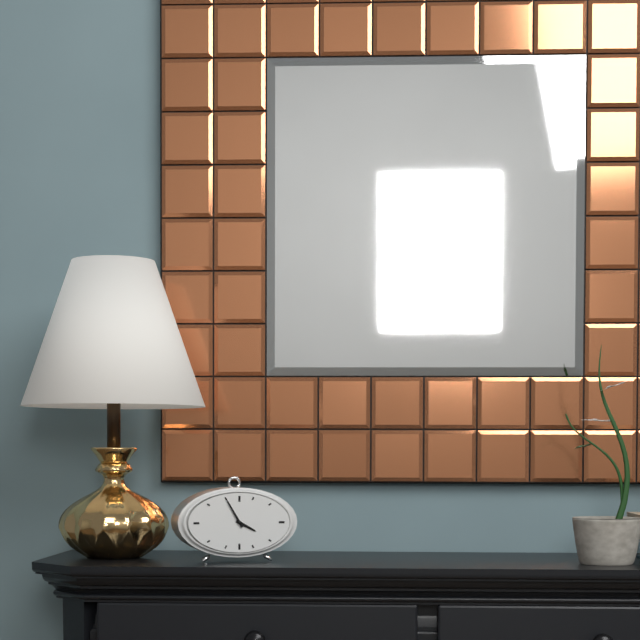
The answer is 3h55
